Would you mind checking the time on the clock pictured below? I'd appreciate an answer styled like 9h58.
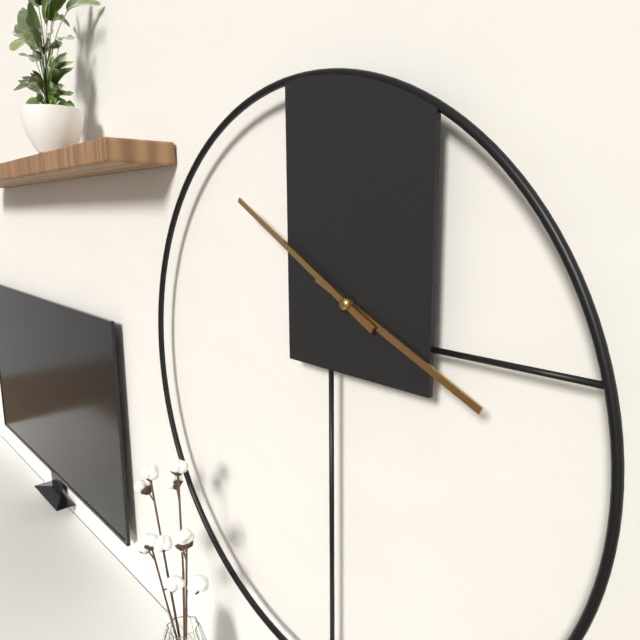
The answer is 3h50
